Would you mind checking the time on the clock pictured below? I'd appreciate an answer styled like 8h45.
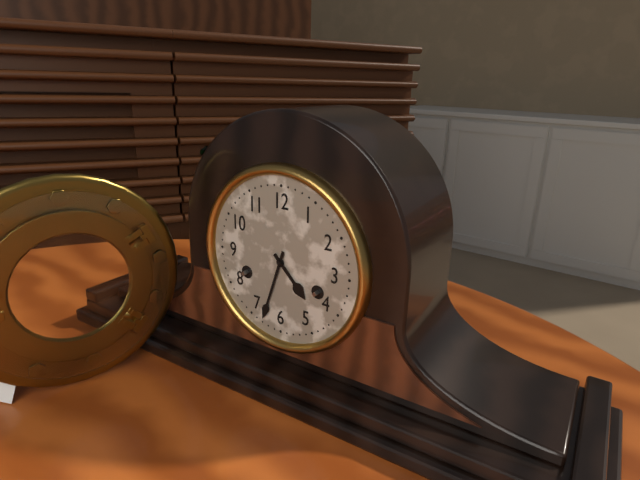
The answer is 4h33
